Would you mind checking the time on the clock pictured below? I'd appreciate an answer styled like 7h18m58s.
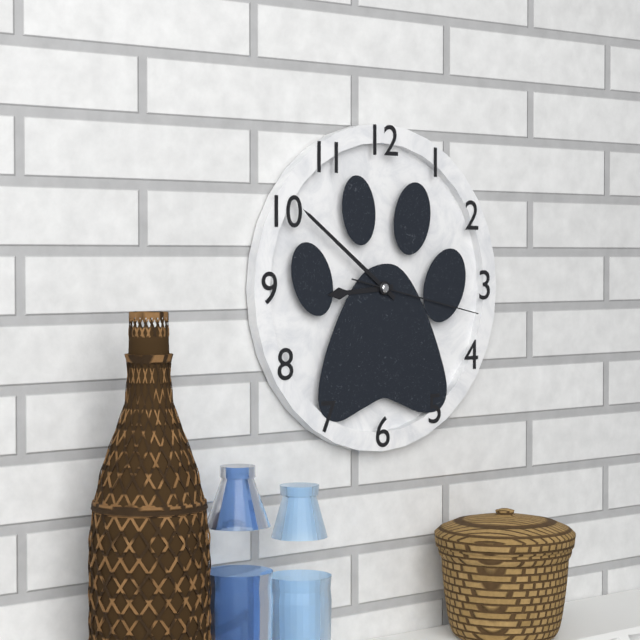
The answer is 8h51m17s
